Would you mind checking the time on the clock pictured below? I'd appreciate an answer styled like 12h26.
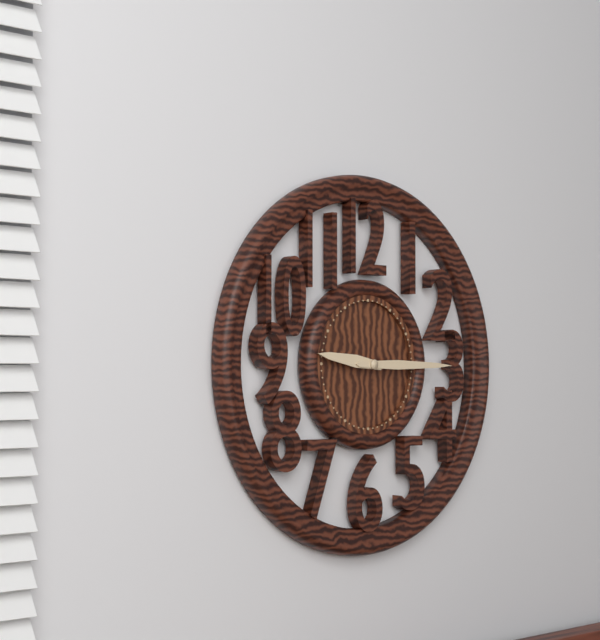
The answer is 9h15
